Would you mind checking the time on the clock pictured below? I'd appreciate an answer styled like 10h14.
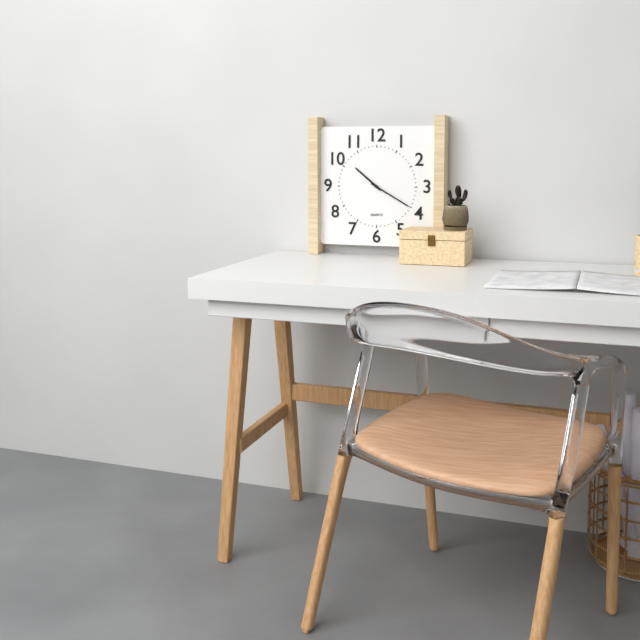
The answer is 10h20
